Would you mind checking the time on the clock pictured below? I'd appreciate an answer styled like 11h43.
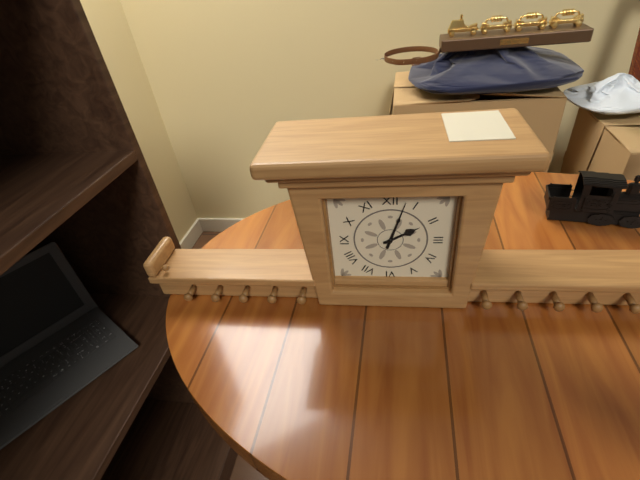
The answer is 2h03
